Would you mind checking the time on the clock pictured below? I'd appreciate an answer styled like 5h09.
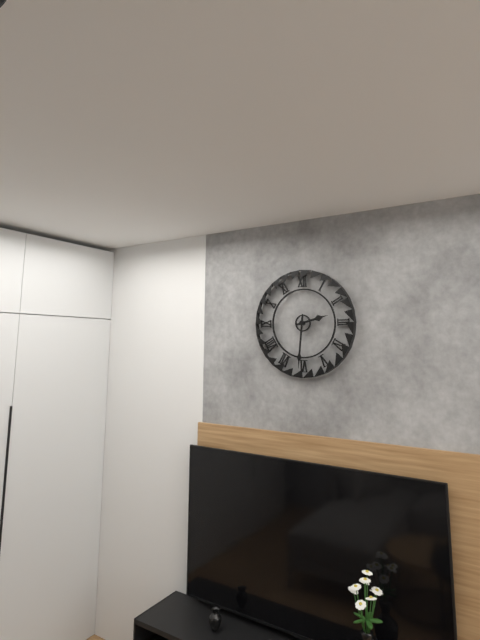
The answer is 2h31
